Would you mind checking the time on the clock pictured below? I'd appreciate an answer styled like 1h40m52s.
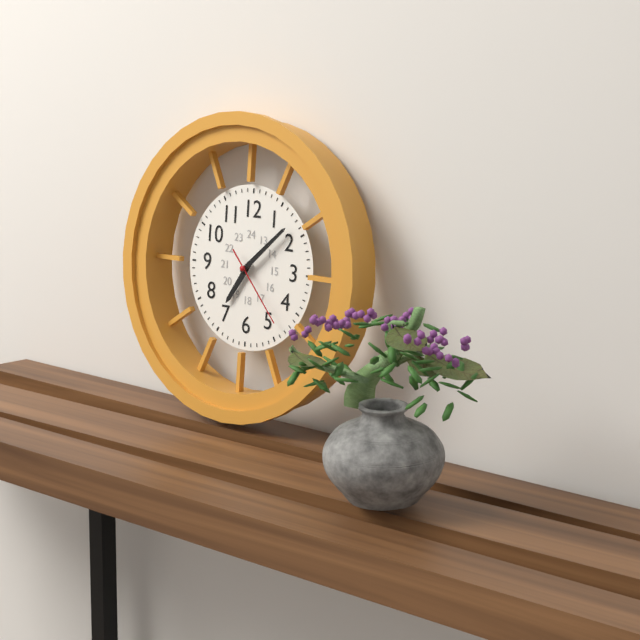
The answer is 7h08m23s
